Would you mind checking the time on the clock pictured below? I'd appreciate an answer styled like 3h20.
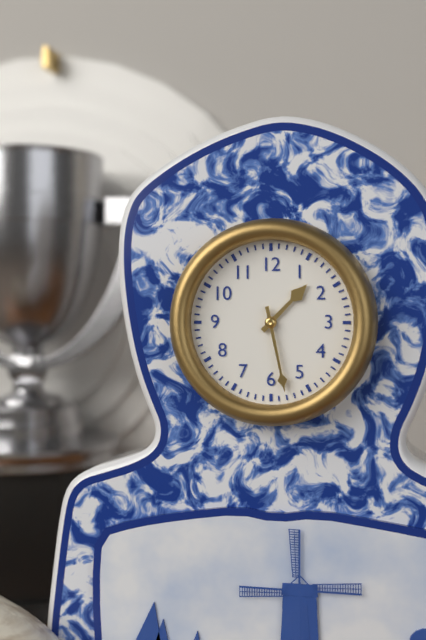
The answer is 1h28
